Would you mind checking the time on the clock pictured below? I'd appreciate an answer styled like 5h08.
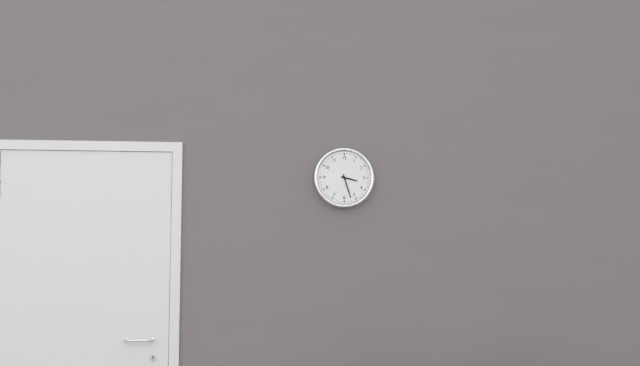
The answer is 3h27
